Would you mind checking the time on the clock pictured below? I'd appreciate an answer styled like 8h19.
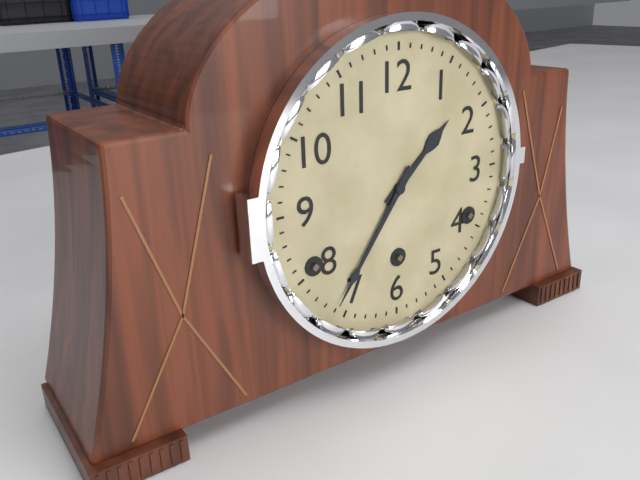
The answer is 1h36
